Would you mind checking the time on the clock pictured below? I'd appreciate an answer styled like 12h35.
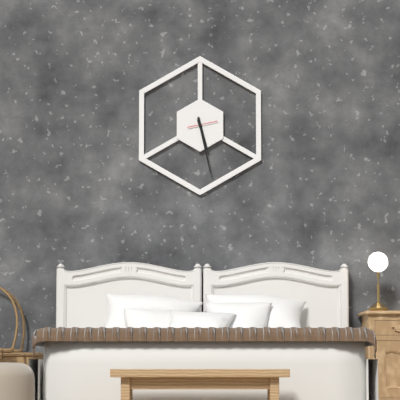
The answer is 5h28
